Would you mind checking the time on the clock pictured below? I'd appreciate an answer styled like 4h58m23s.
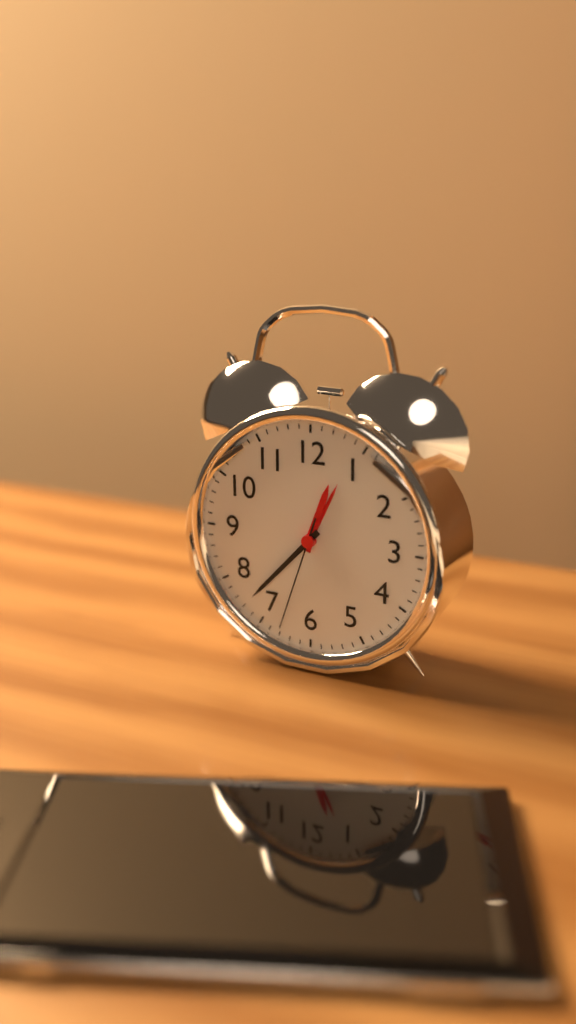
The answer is 12h37m33s
